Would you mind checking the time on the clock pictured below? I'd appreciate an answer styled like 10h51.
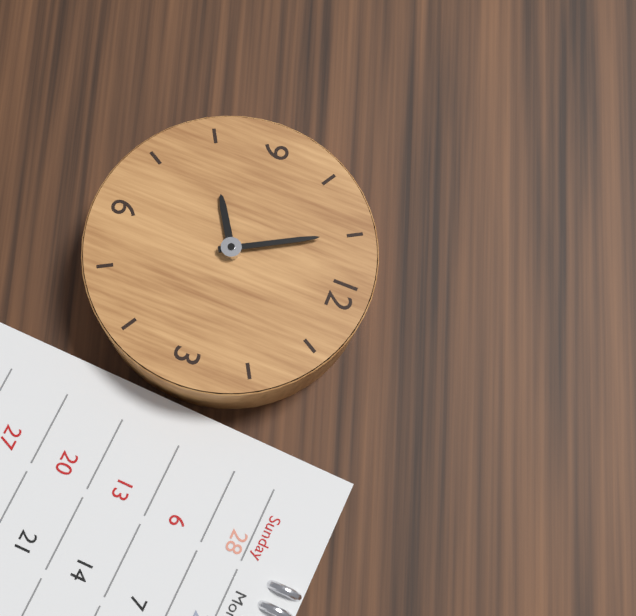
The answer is 7h55
